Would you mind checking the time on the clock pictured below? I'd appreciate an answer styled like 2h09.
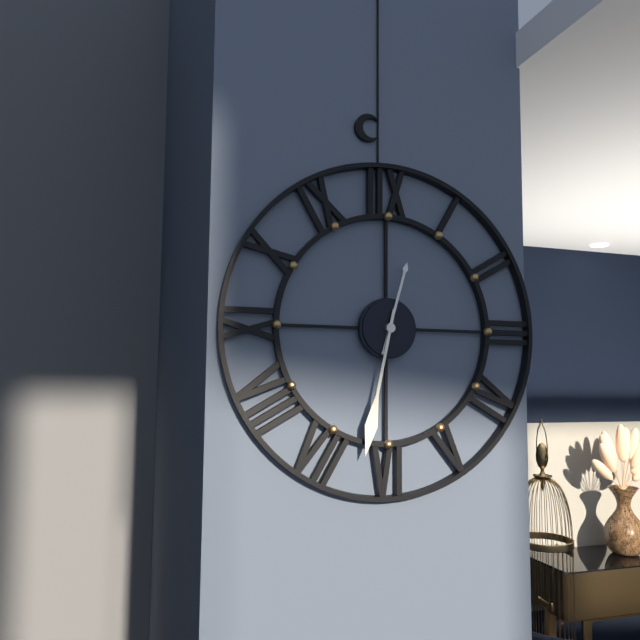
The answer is 12h32
